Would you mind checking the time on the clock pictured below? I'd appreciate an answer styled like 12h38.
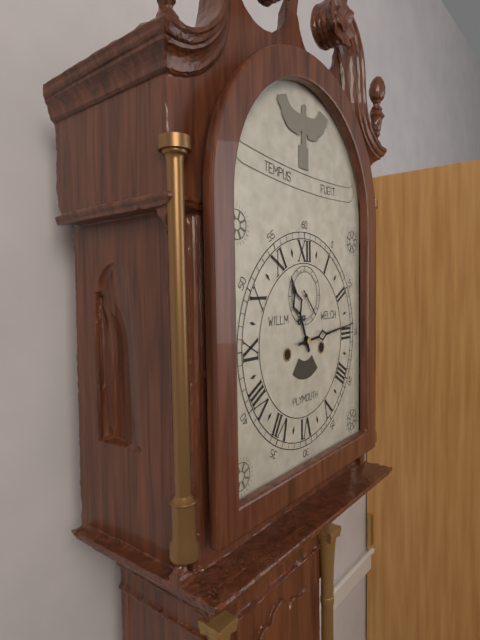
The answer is 11h14
